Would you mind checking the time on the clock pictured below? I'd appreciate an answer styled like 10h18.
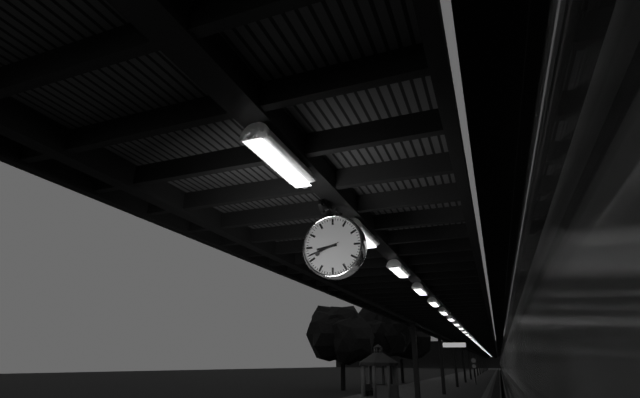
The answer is 8h42
